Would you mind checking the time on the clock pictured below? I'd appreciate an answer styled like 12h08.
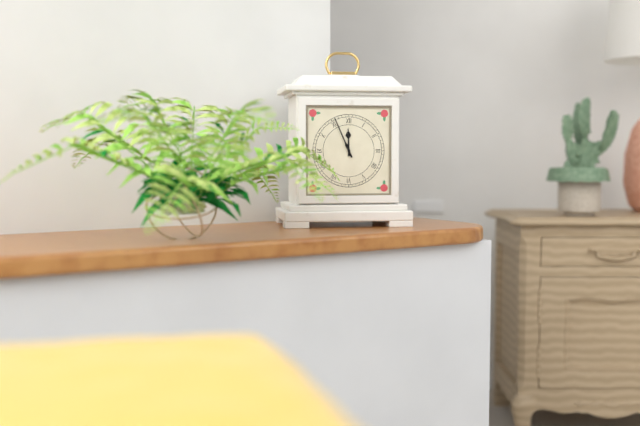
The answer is 11h56
